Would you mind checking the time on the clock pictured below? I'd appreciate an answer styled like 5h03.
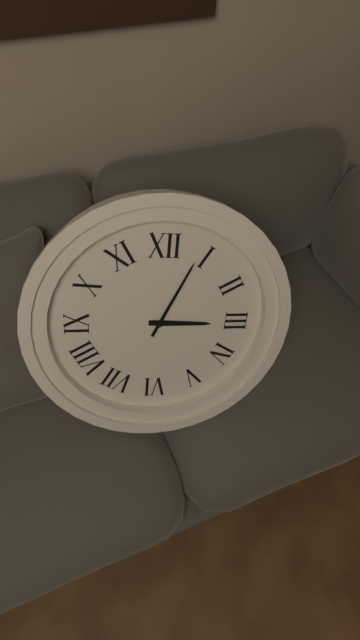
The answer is 3h04
